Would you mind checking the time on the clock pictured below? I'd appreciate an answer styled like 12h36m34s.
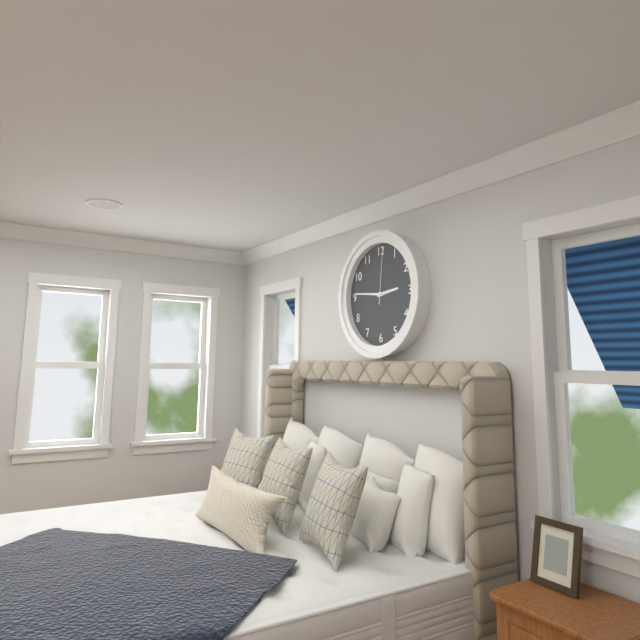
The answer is 2h46m01s
